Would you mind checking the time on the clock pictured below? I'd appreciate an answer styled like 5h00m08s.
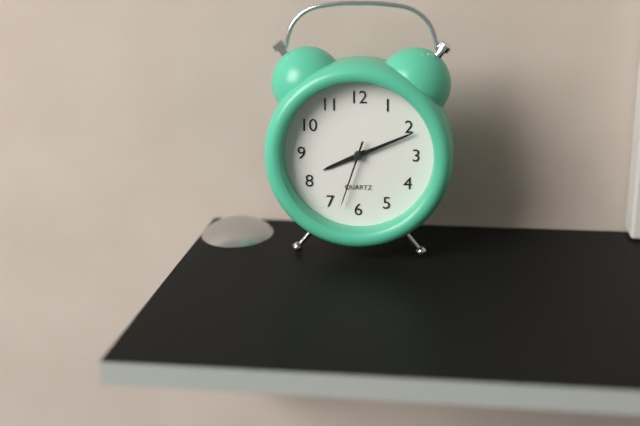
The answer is 8h11m33s
